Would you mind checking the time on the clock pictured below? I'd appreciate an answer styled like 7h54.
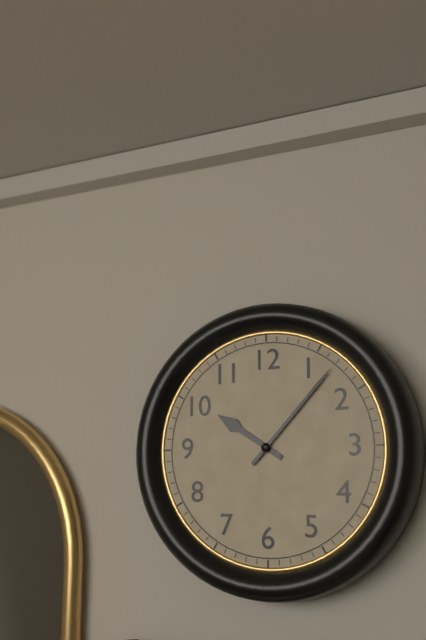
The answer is 10h07
